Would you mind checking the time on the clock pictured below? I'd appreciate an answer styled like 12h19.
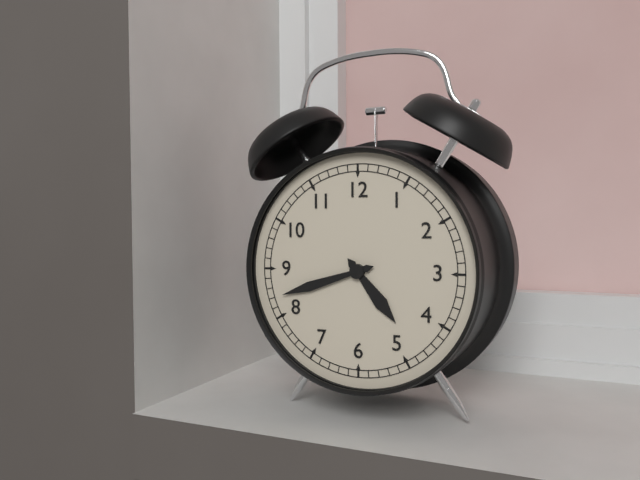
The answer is 4h42
